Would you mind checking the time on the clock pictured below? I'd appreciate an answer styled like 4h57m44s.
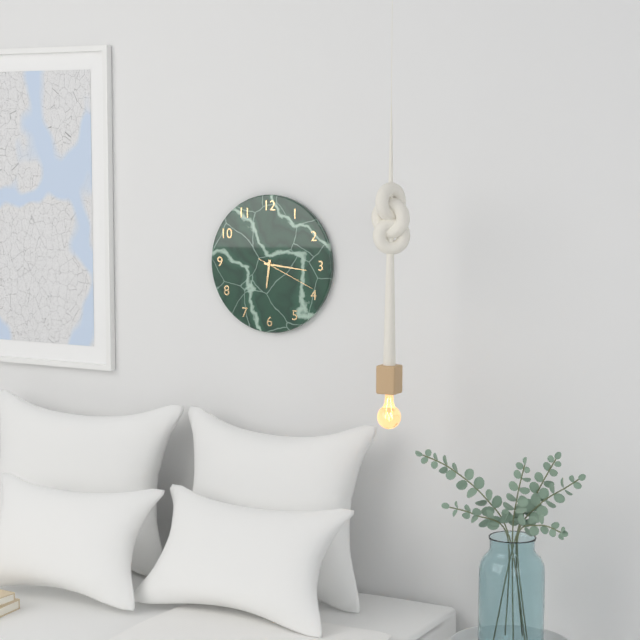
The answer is 6h16m19s
